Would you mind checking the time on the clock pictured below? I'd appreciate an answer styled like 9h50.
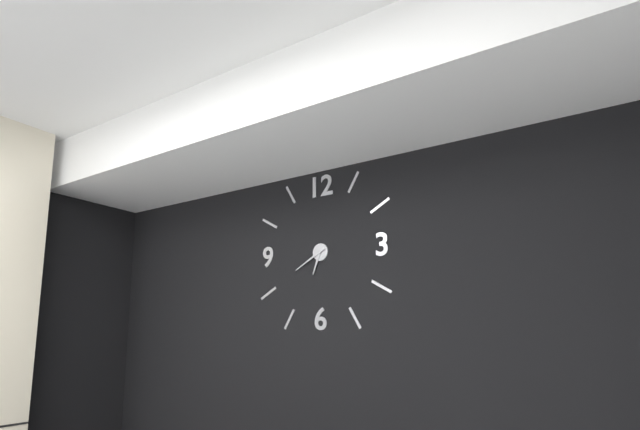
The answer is 6h40
